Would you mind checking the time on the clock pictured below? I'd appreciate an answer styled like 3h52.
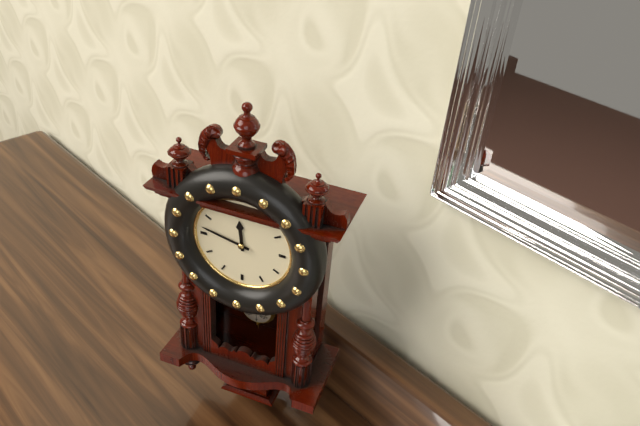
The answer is 11h47
